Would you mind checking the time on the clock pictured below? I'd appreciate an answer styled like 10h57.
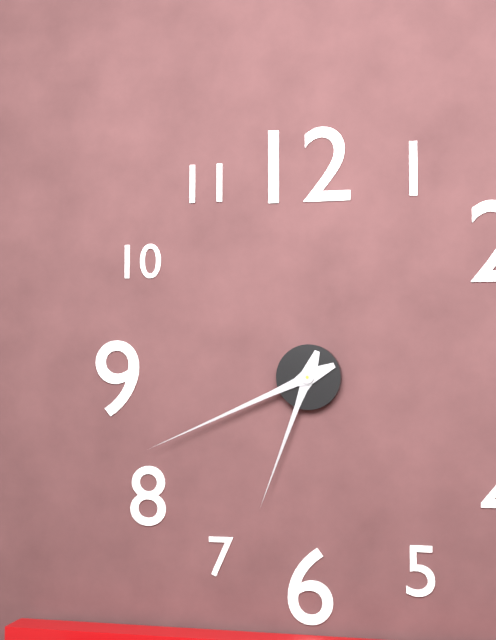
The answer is 6h41
